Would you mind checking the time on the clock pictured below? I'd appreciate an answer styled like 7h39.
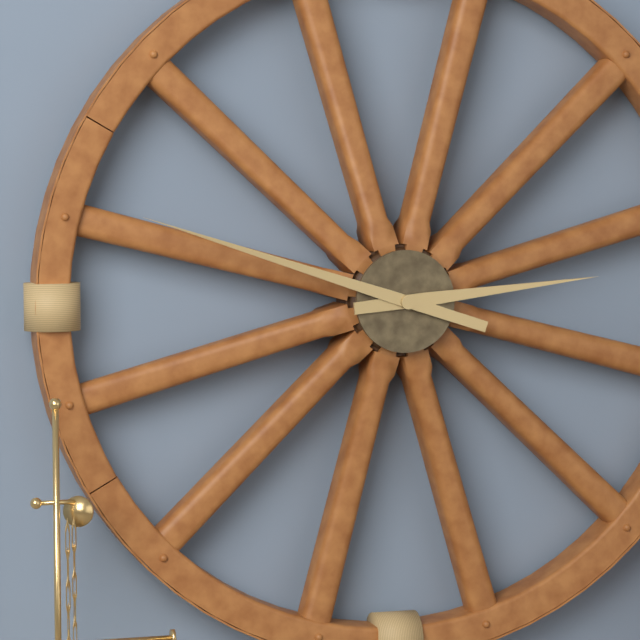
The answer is 2h48
